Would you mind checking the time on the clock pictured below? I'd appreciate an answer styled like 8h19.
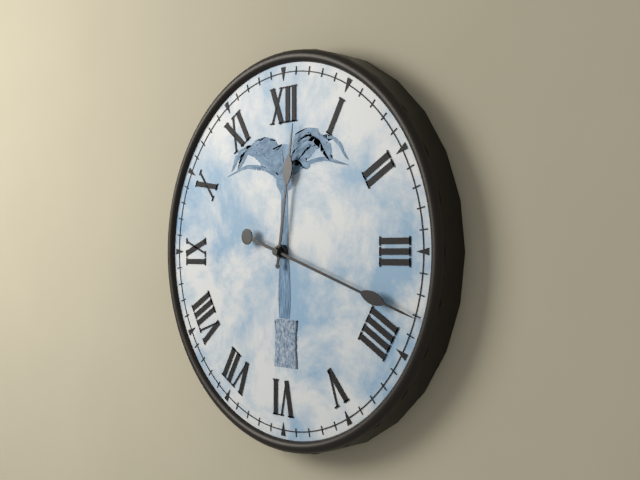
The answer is 12h18
